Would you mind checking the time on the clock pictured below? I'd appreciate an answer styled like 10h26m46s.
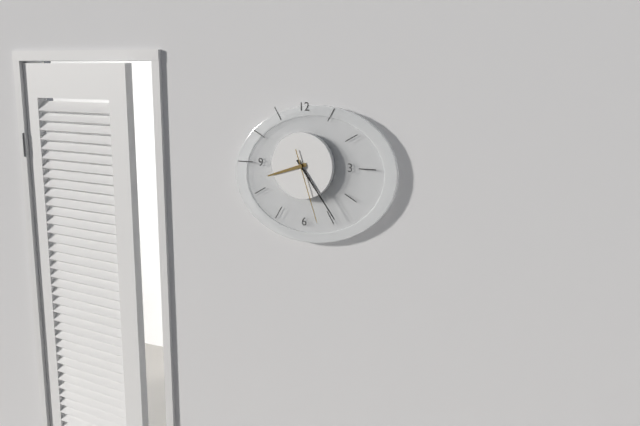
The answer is 8h24m27s
